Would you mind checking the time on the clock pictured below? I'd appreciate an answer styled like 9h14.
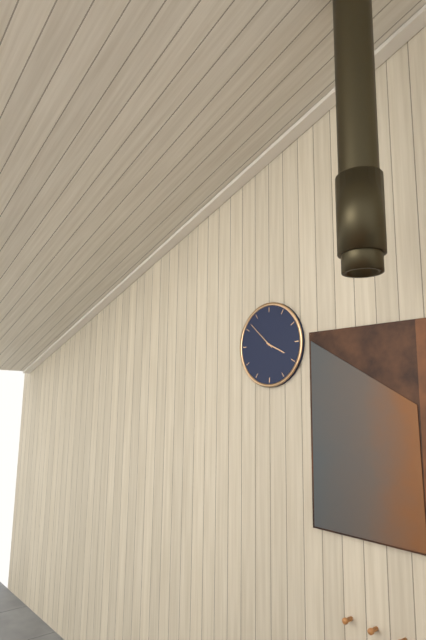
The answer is 3h52
